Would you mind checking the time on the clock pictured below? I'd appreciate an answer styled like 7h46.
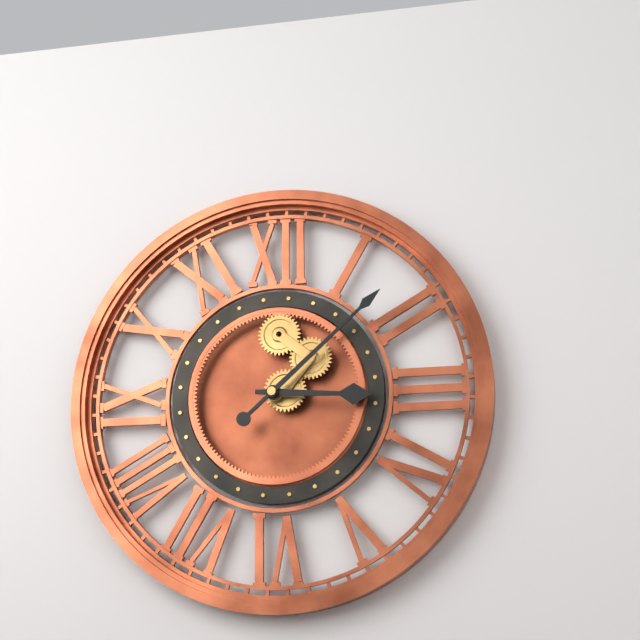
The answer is 3h08
